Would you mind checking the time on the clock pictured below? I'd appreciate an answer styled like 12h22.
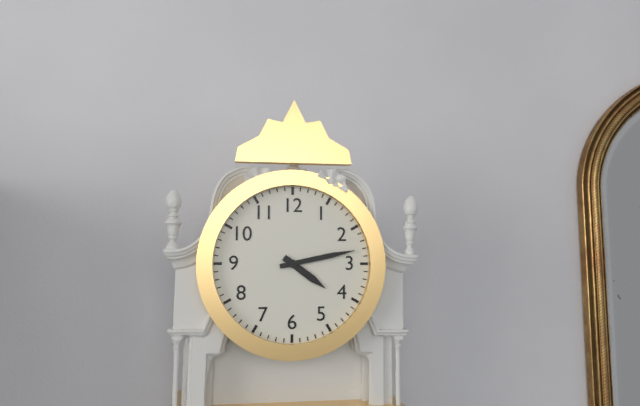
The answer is 4h13
